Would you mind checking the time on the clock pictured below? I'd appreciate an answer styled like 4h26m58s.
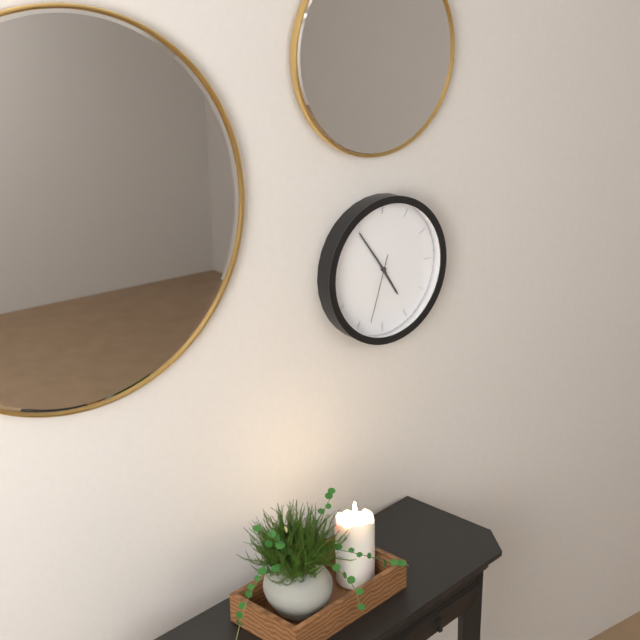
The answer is 4h54m33s
